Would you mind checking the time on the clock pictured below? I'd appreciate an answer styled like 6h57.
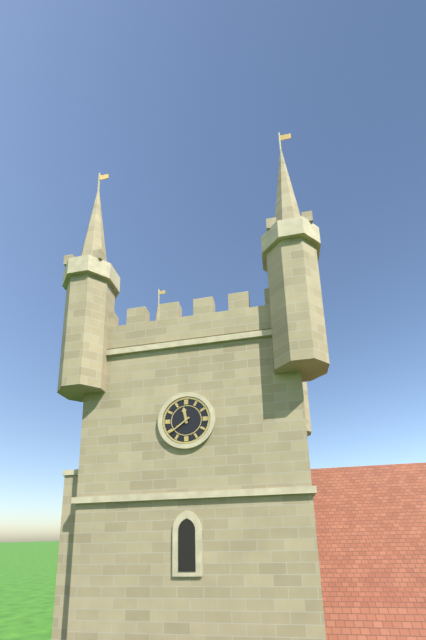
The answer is 11h39
